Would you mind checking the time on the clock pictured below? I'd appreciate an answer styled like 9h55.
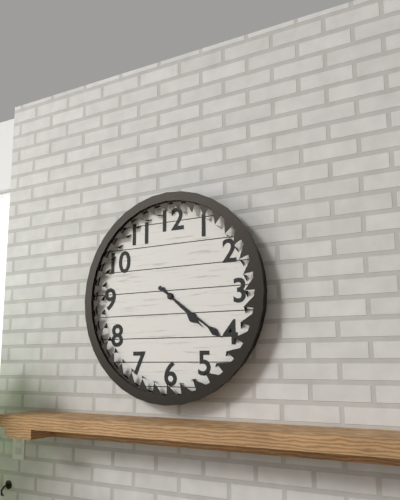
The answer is 4h21
